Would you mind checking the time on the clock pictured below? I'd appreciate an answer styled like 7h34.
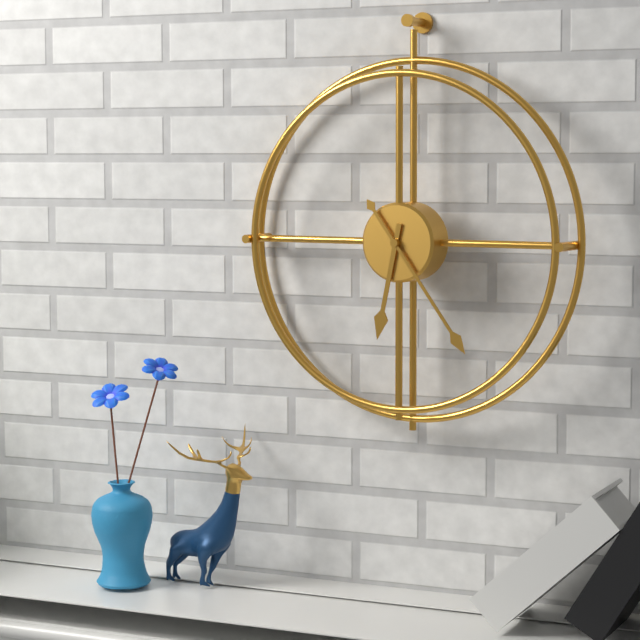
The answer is 6h24
